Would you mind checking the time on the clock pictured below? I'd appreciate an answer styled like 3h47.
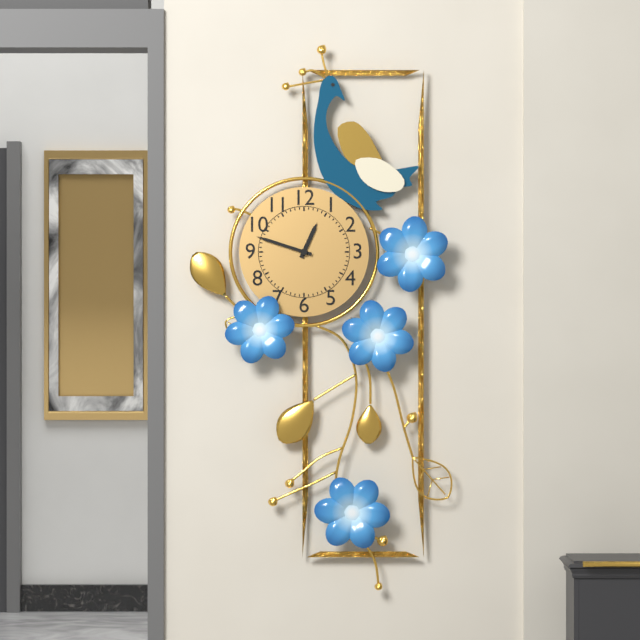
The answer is 12h48
